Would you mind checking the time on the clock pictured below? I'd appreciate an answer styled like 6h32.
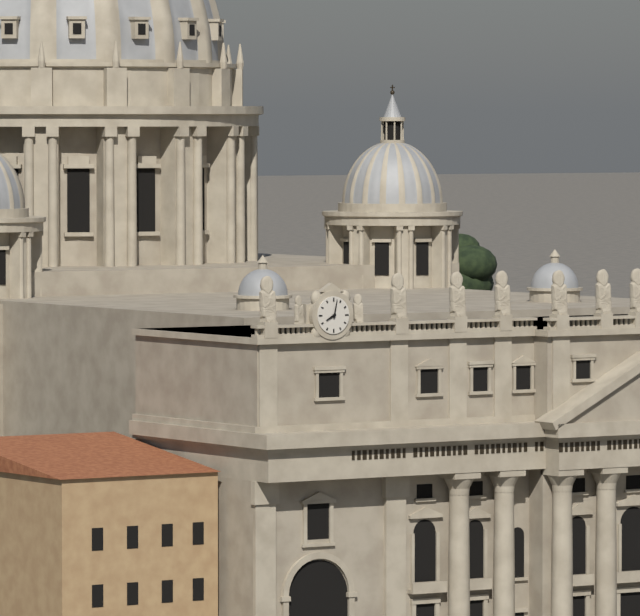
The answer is 8h02
